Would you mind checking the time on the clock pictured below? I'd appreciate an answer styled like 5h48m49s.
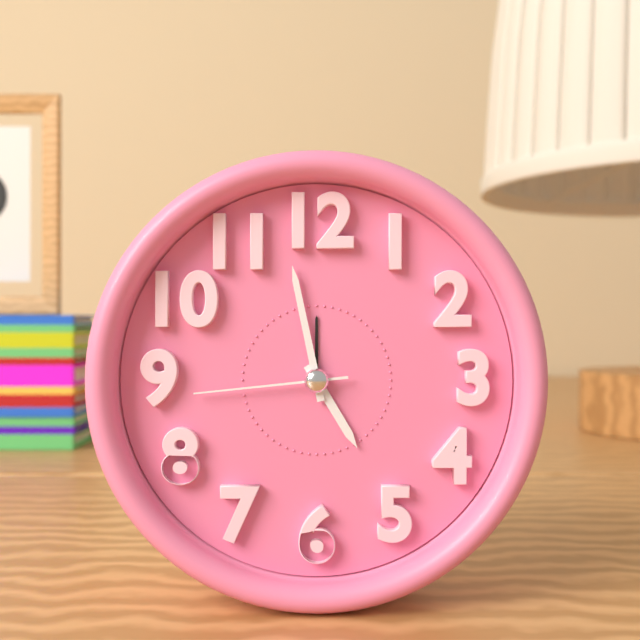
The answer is 4h58m44s
